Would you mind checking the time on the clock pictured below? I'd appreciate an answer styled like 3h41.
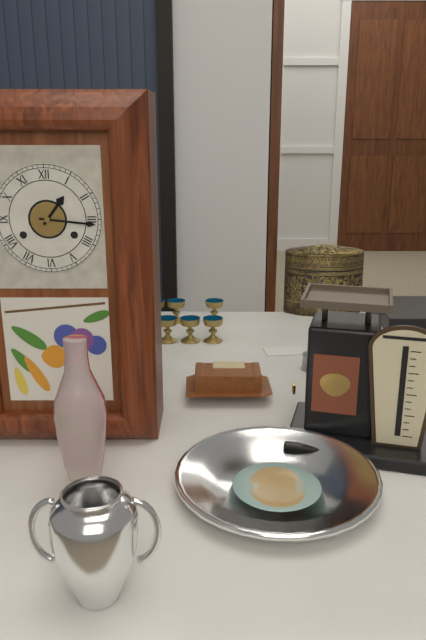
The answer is 1h16
